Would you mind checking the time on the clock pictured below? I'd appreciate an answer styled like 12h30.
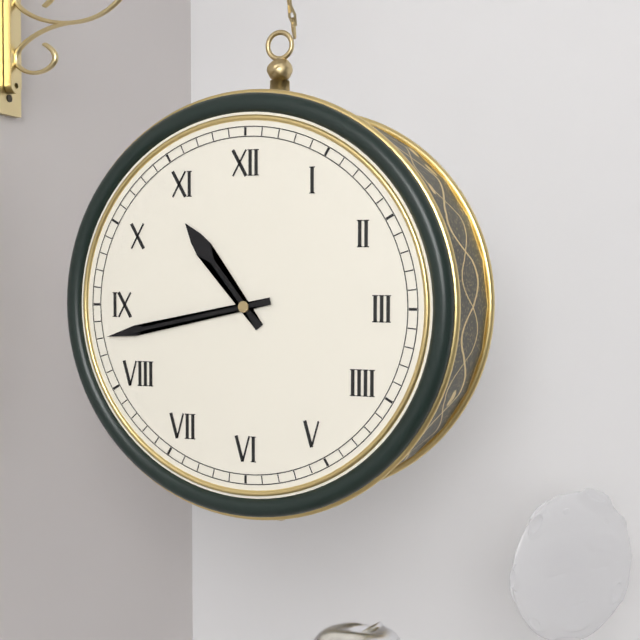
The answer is 10h43
